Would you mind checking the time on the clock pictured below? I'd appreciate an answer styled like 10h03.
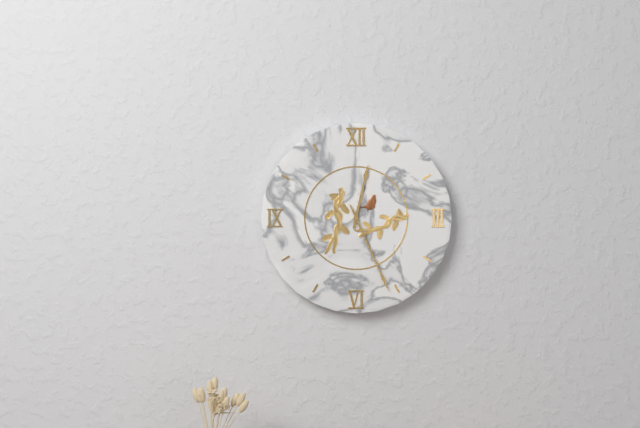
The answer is 12h26
